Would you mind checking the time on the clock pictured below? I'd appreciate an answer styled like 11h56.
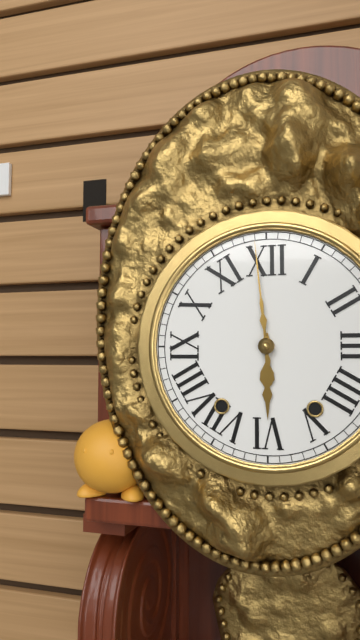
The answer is 5h59
